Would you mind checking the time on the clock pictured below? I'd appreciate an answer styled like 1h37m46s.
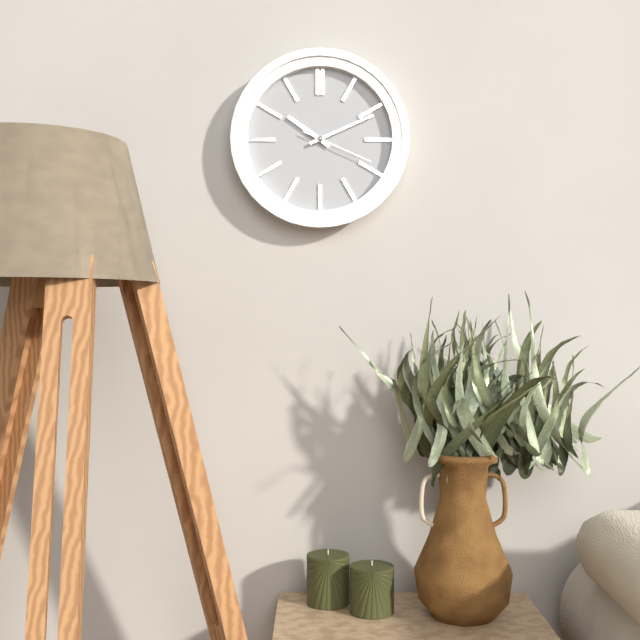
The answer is 10h11m19s
